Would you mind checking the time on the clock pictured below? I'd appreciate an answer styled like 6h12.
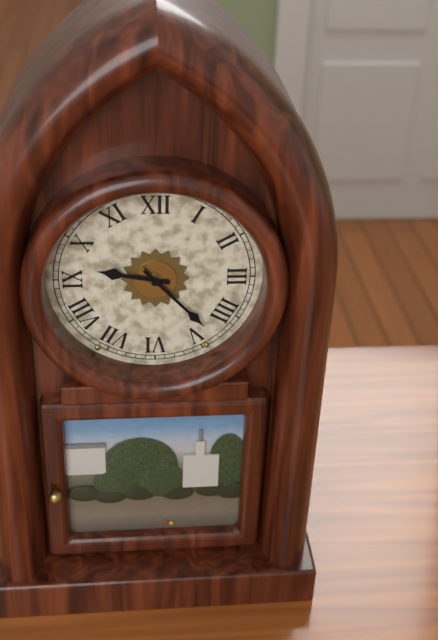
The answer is 9h23
